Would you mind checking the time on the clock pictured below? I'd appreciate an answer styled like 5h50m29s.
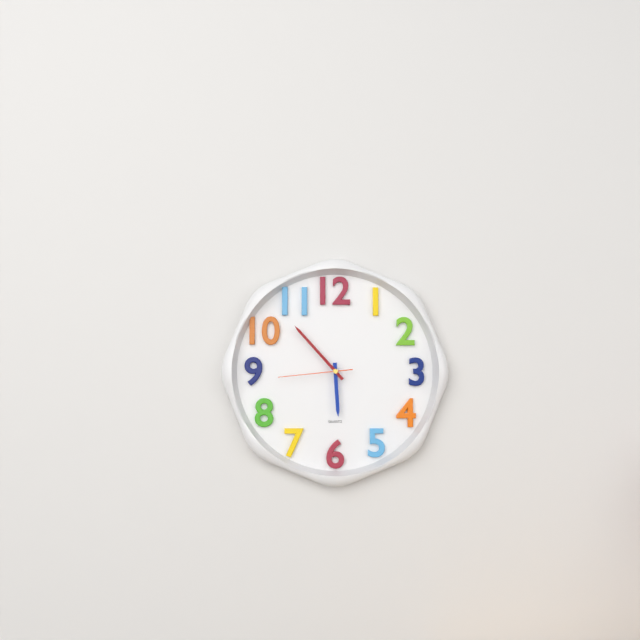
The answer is 5h53m44s
